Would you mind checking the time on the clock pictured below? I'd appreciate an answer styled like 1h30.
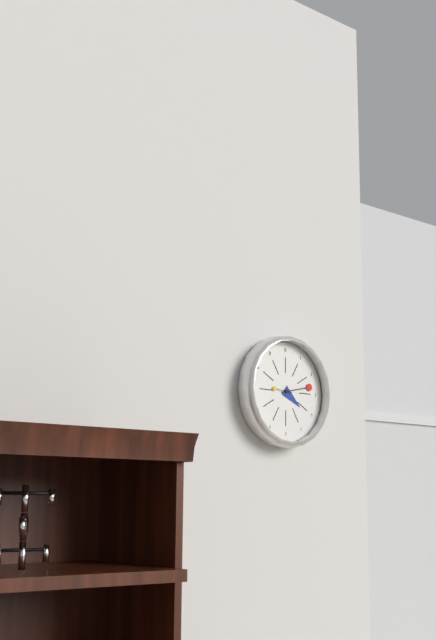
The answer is 4h13
